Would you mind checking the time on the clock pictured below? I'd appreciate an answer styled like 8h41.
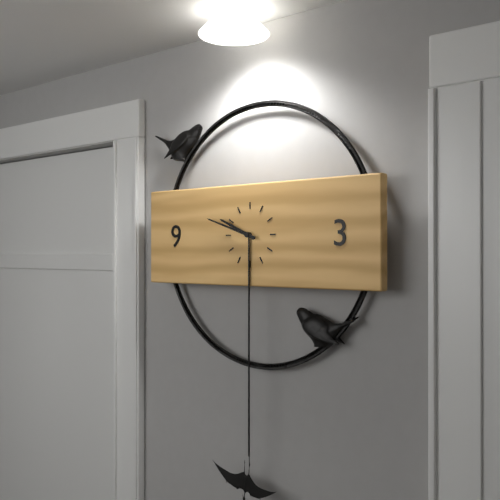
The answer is 9h48
